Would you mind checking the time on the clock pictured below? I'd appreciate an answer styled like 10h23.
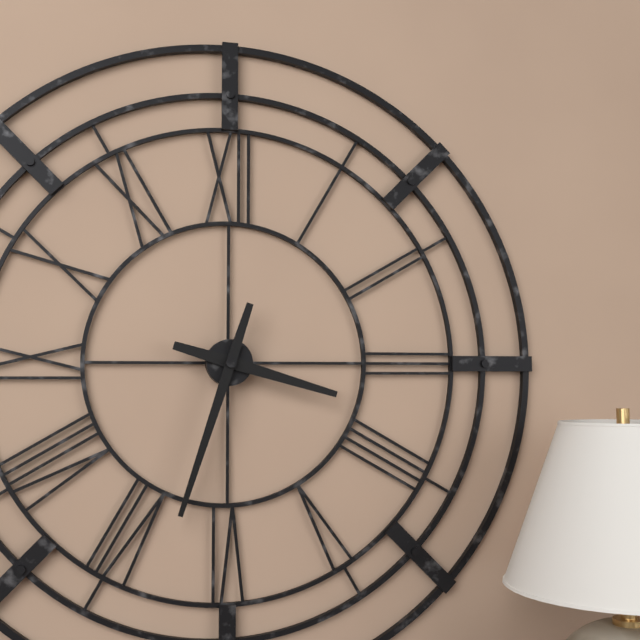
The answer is 3h33
